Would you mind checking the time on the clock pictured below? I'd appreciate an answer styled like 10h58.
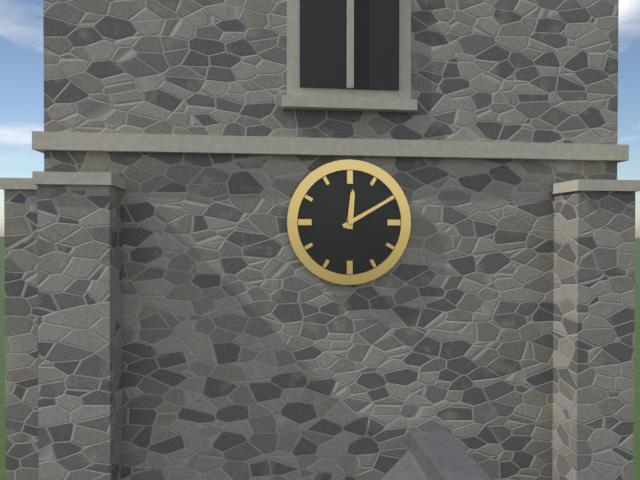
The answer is 12h10
